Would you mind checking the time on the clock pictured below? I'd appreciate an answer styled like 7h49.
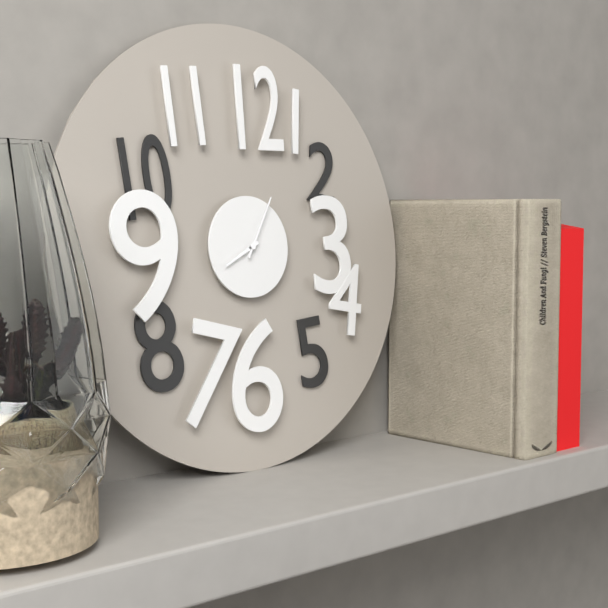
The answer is 8h05
